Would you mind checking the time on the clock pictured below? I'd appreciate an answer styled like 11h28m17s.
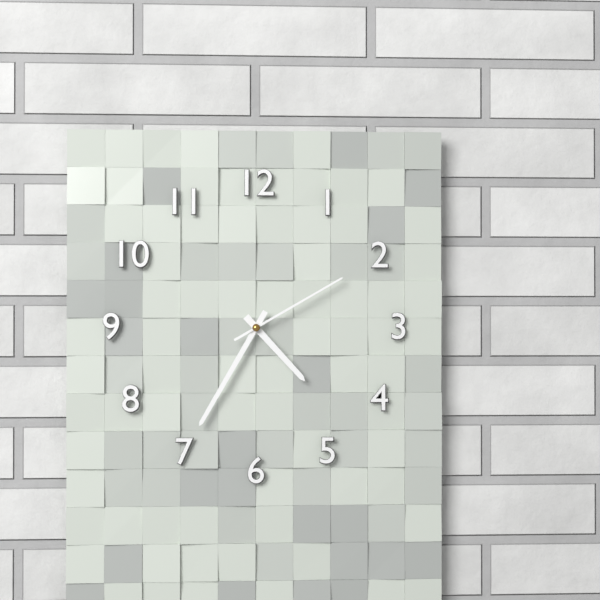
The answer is 4h35m10s
